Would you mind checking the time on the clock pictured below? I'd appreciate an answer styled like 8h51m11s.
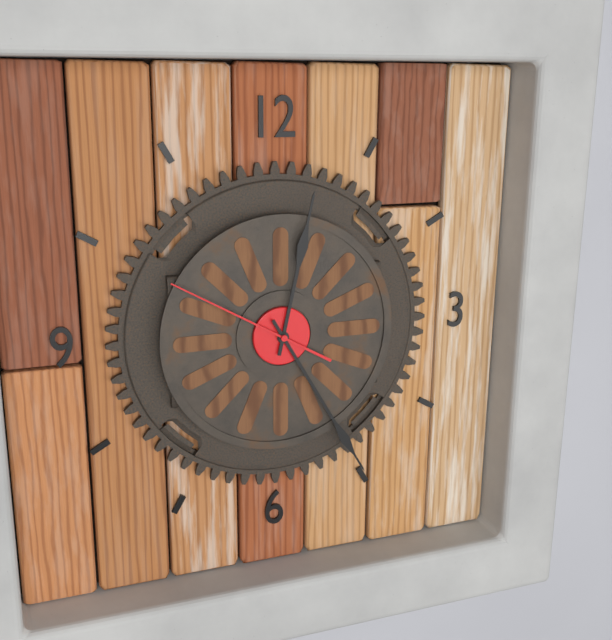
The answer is 12h25m50s
